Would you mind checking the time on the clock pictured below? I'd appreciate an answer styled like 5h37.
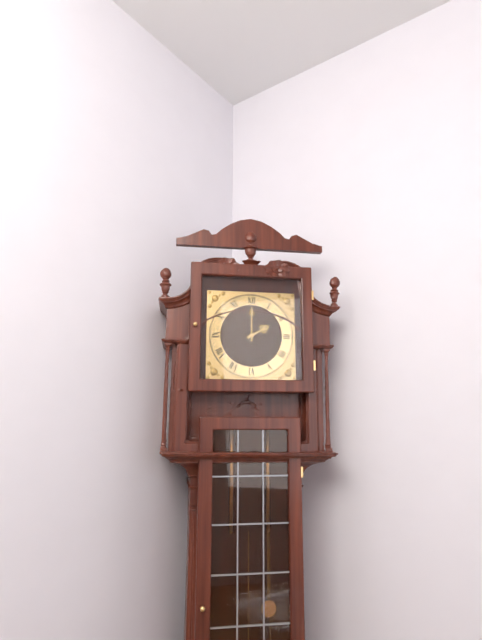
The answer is 2h00
